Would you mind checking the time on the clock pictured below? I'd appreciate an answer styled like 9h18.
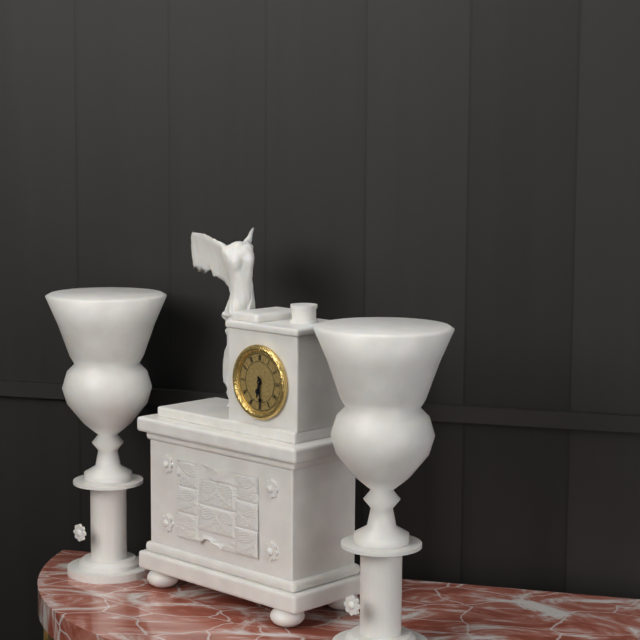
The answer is 6h29
